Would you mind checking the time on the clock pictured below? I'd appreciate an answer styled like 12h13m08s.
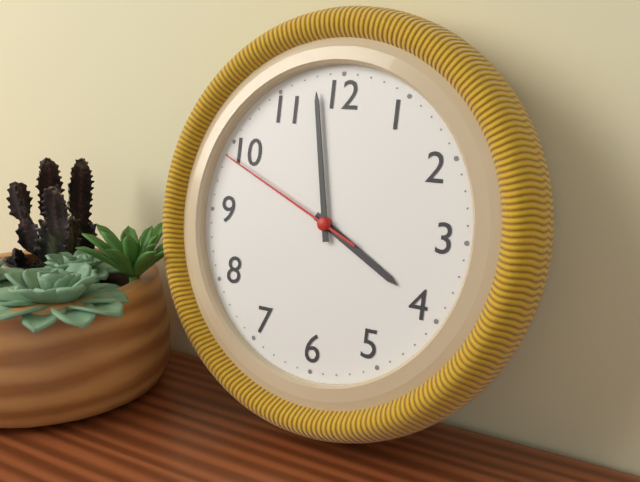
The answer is 3h58m49s
